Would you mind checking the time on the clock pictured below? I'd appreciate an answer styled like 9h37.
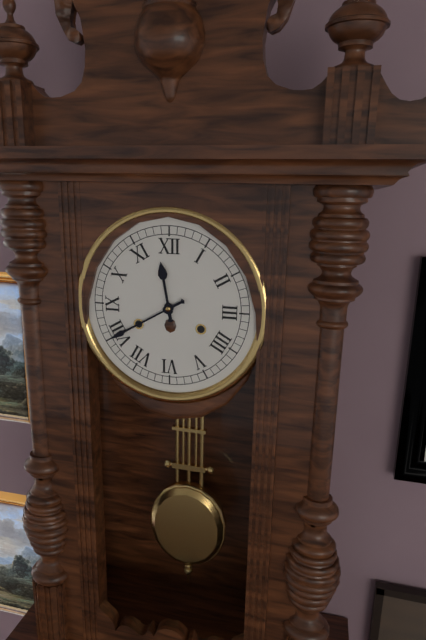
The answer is 11h40
